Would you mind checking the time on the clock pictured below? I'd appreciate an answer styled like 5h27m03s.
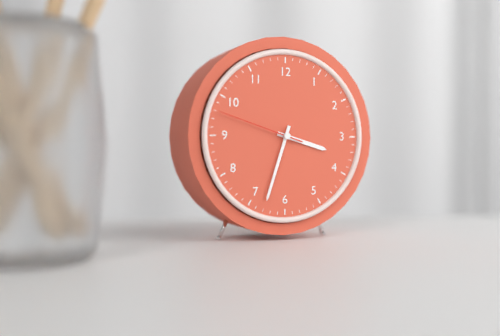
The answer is 3h33m48s
